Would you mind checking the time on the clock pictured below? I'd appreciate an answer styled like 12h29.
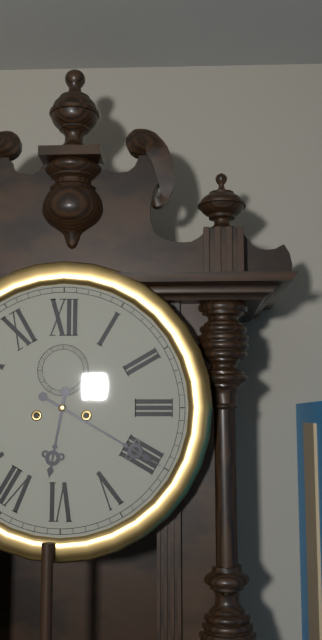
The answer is 6h20
